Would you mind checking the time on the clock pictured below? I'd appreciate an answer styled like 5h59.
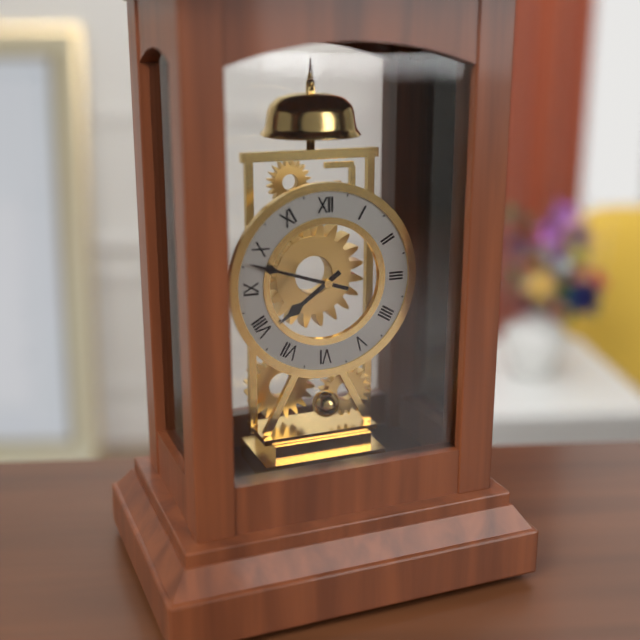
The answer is 7h48
